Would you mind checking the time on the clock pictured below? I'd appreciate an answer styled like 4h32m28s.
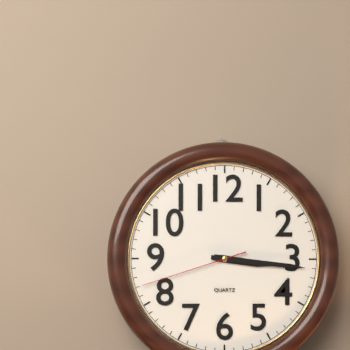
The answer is 3h16m42s
